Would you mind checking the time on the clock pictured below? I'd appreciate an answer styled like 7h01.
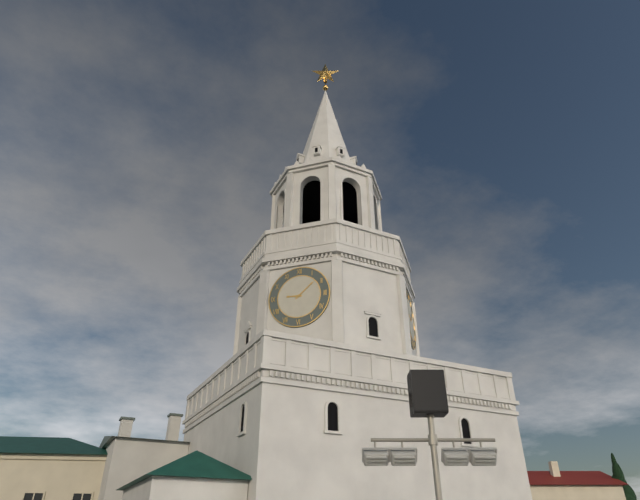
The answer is 9h08
